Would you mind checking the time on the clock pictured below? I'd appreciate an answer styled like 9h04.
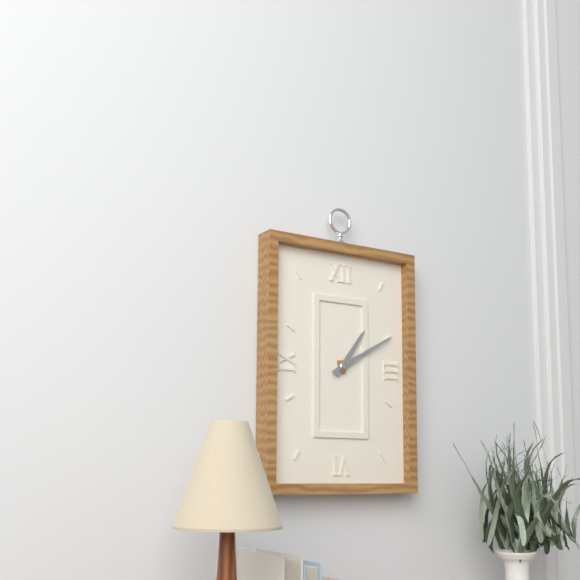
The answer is 1h10
